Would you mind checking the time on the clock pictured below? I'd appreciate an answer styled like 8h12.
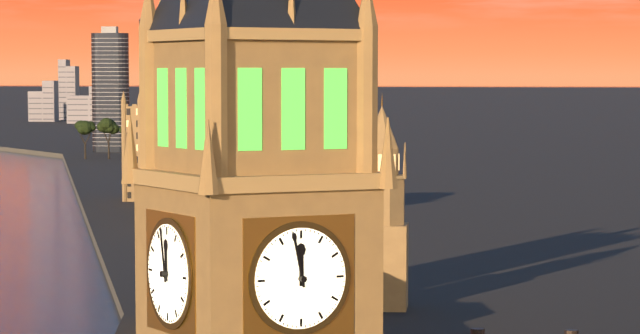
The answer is 11h58
